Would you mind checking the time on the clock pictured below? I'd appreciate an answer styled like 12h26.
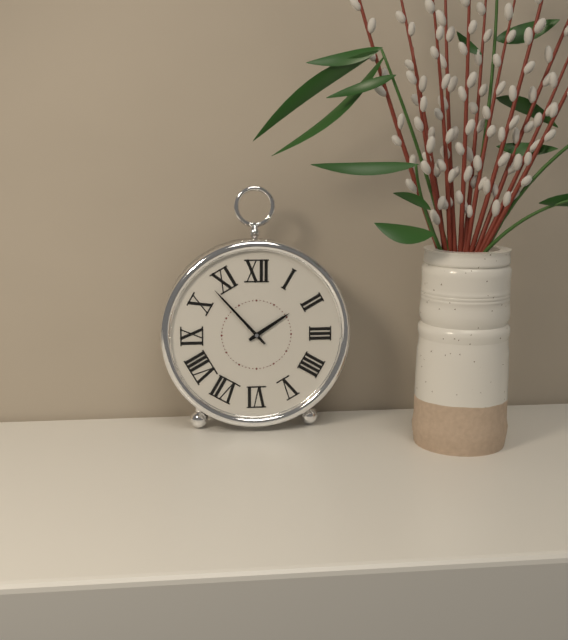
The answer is 1h53
